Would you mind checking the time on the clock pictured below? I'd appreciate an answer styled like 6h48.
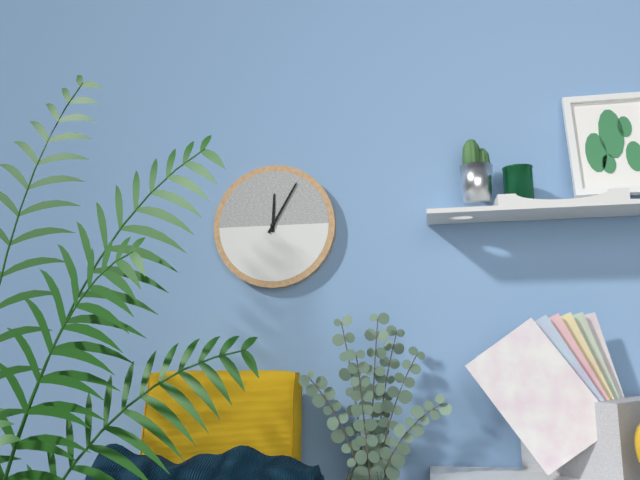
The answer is 12h05
